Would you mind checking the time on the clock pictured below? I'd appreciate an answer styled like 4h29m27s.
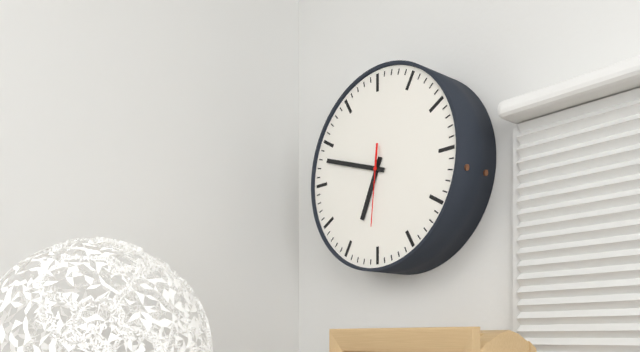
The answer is 6h48m31s
